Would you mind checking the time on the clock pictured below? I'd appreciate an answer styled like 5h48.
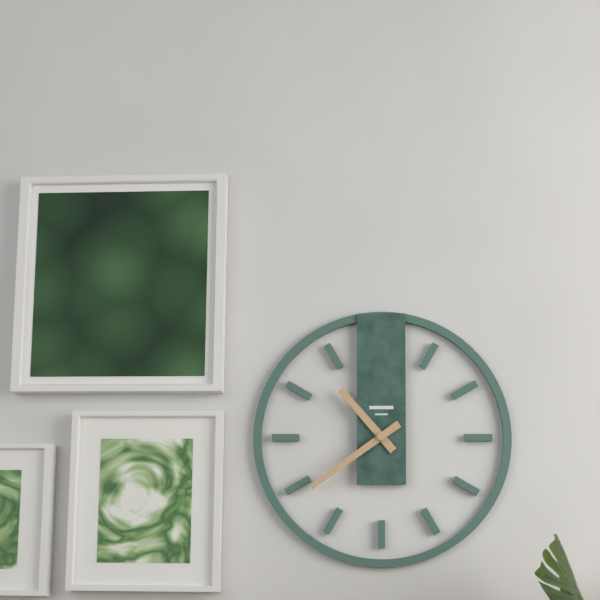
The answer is 10h39
